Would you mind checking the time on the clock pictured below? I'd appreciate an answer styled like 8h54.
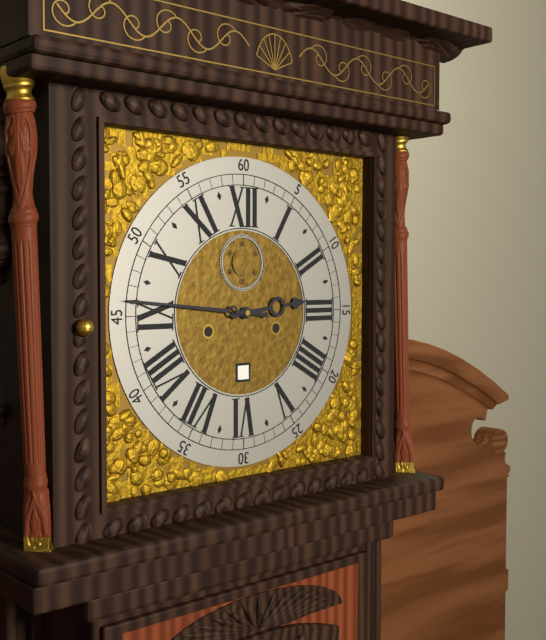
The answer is 2h46
